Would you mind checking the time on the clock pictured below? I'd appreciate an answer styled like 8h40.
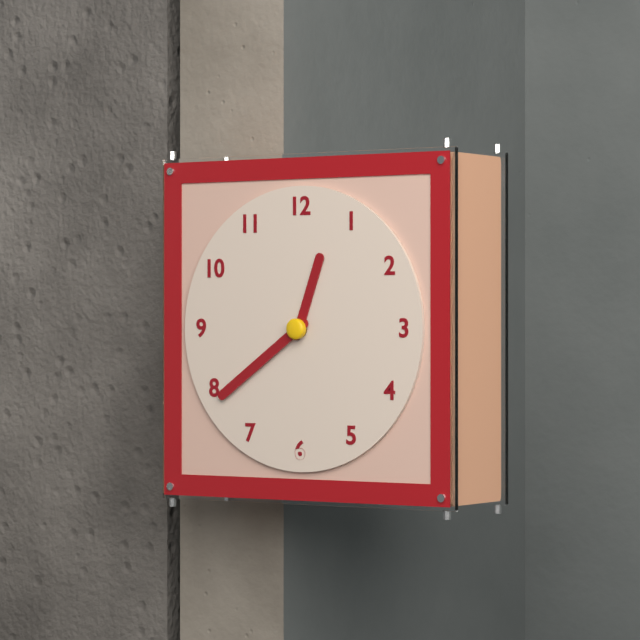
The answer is 12h39
